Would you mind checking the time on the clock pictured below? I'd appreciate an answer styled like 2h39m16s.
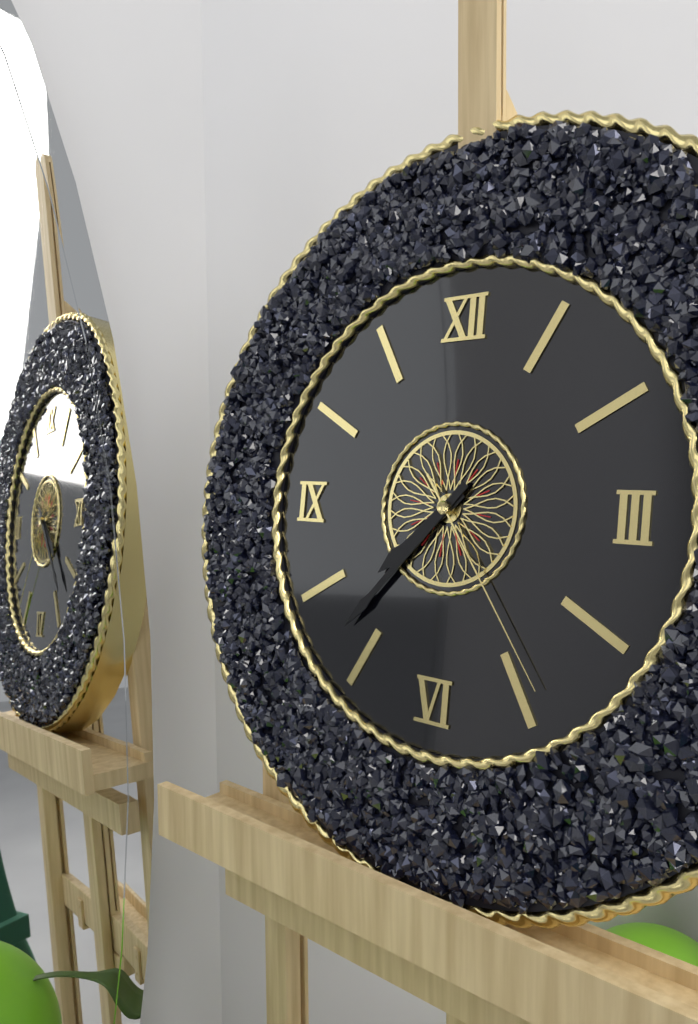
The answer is 7h37m24s
